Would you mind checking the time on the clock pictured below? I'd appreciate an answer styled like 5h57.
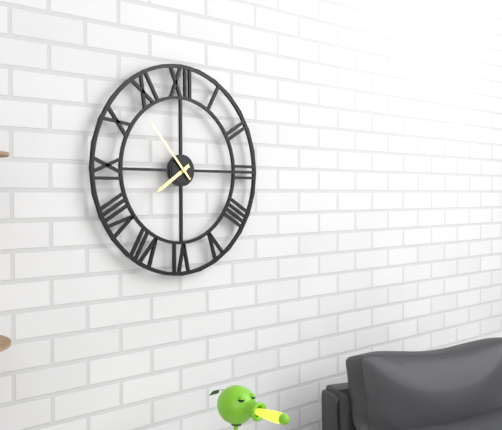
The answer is 7h53
